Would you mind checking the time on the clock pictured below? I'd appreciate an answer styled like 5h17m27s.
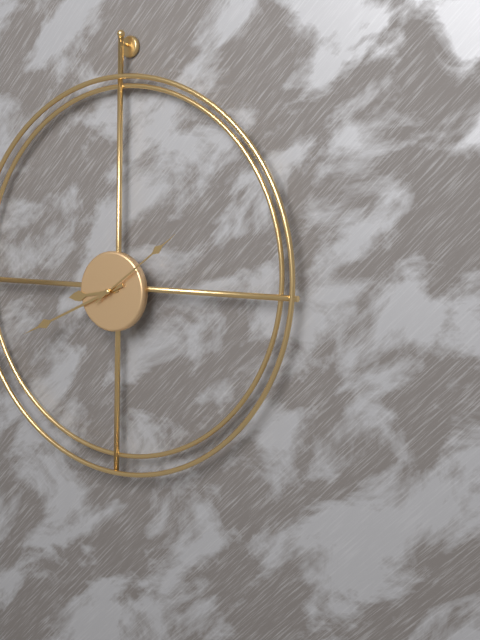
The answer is 8h41m09s
